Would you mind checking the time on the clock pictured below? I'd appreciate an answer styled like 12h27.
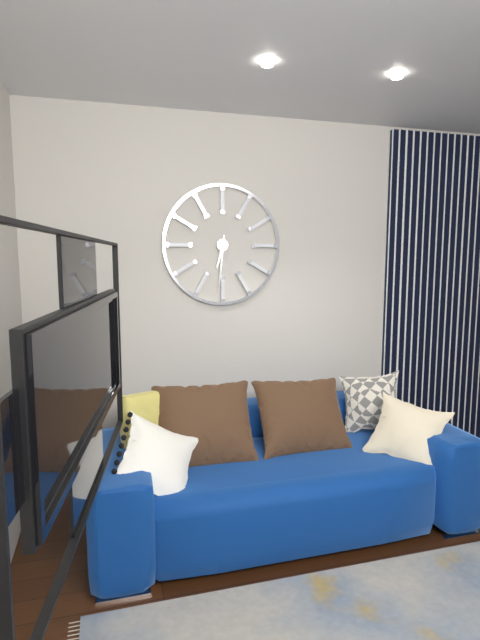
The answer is 6h31
